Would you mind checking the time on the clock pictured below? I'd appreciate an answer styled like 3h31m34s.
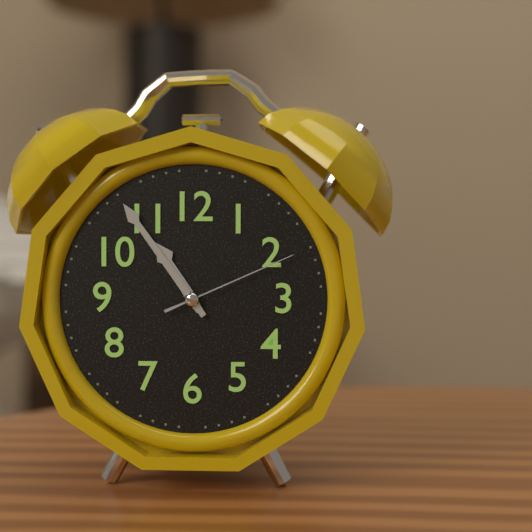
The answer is 10h54m11s
